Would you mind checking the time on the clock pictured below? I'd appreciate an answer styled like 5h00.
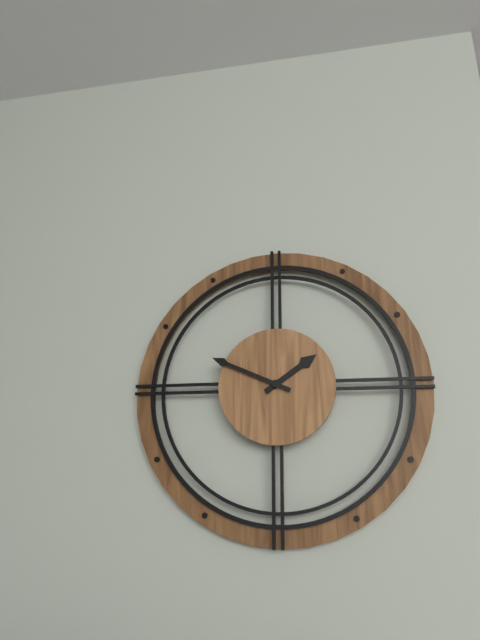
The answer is 1h49
